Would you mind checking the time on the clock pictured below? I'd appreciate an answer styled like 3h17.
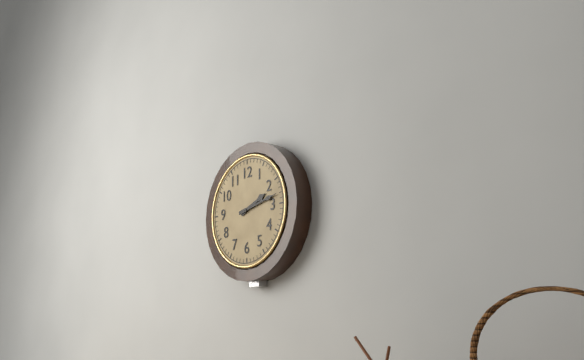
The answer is 2h13
